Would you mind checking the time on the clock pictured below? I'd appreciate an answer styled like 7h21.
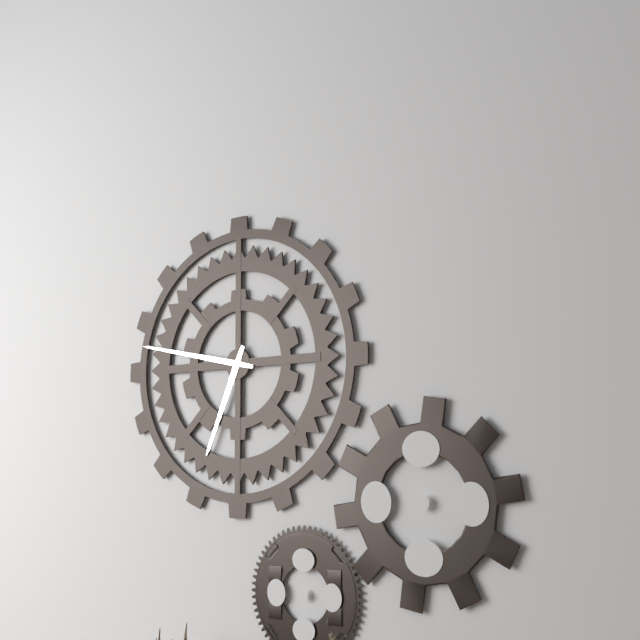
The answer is 6h47
